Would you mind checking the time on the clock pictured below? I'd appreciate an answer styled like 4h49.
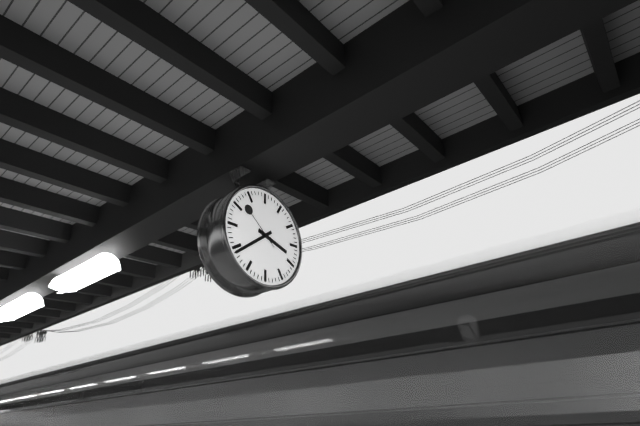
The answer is 3h39
